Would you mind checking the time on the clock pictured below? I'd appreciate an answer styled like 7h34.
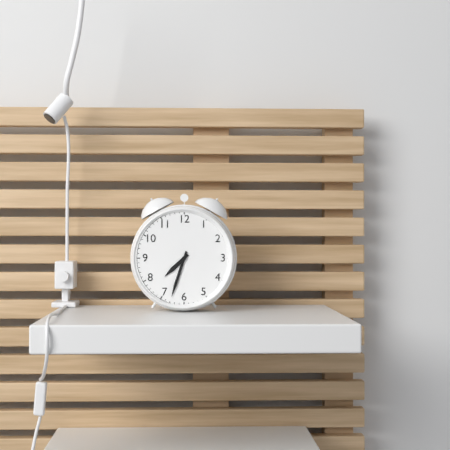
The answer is 7h33
